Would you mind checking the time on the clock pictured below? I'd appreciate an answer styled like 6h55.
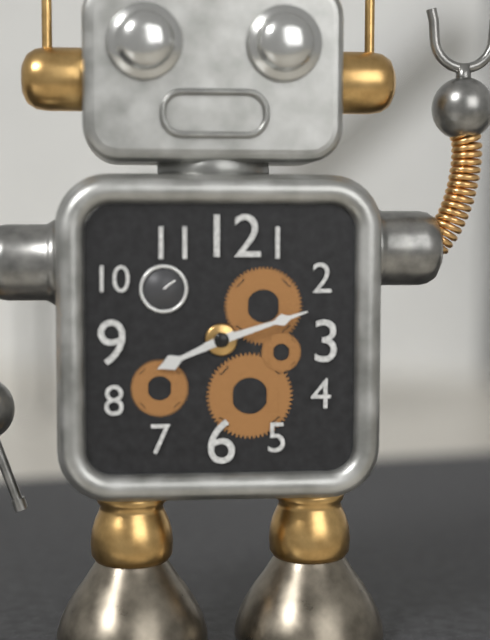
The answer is 8h12
